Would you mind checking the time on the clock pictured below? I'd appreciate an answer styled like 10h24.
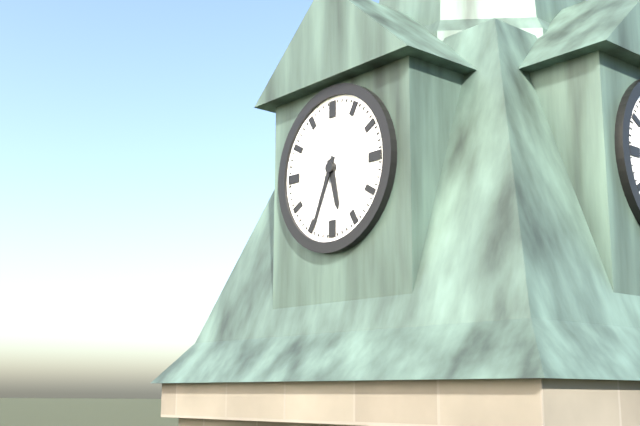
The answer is 5h34
